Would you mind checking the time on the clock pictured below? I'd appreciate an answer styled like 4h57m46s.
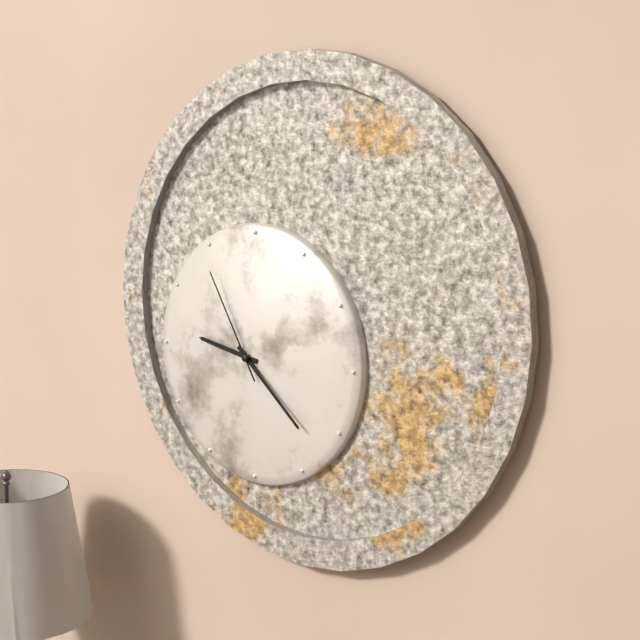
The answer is 9h22m55s
